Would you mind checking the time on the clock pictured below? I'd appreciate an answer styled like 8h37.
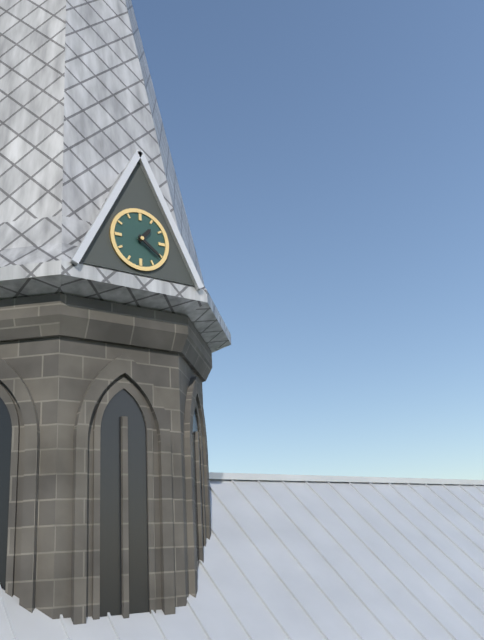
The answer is 1h21
